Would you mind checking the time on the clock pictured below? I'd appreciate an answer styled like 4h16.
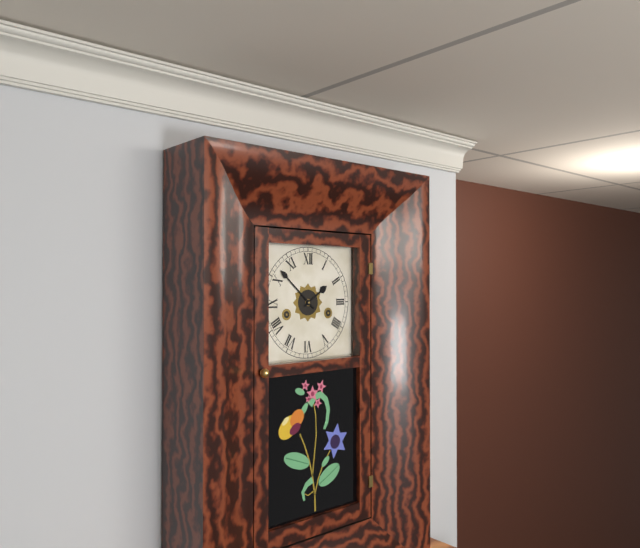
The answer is 1h52
